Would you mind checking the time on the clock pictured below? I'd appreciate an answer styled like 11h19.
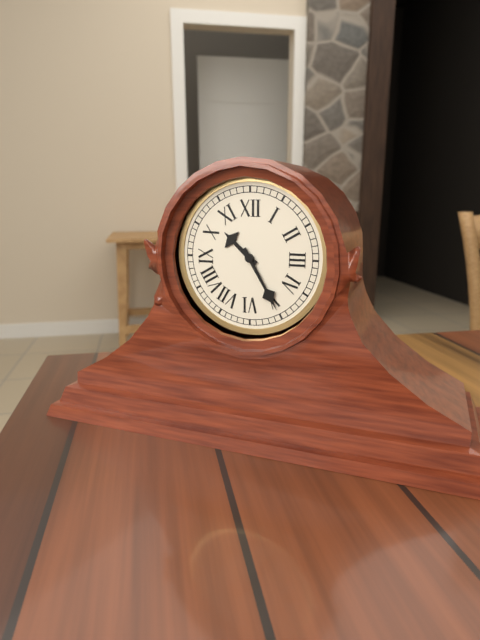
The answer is 10h25
